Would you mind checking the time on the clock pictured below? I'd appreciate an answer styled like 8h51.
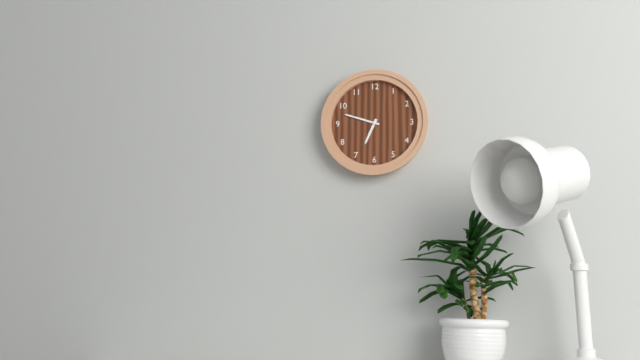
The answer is 6h48
